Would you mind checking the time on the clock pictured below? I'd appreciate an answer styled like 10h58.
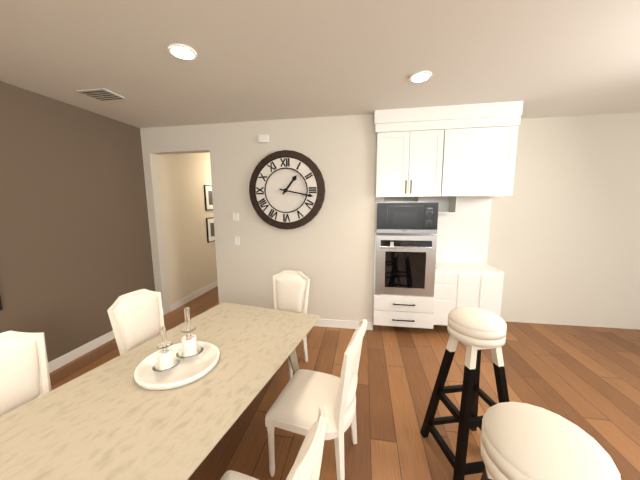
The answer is 1h17
